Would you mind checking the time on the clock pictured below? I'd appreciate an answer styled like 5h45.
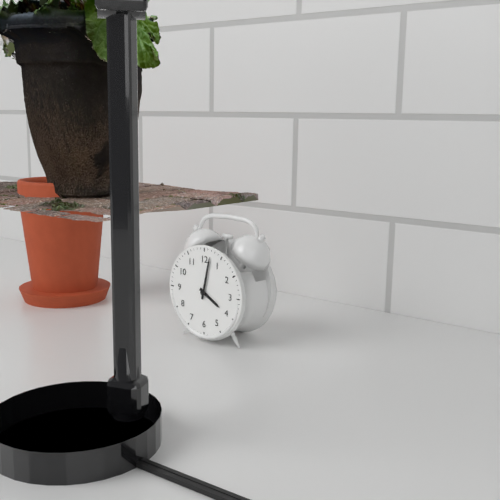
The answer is 4h02
